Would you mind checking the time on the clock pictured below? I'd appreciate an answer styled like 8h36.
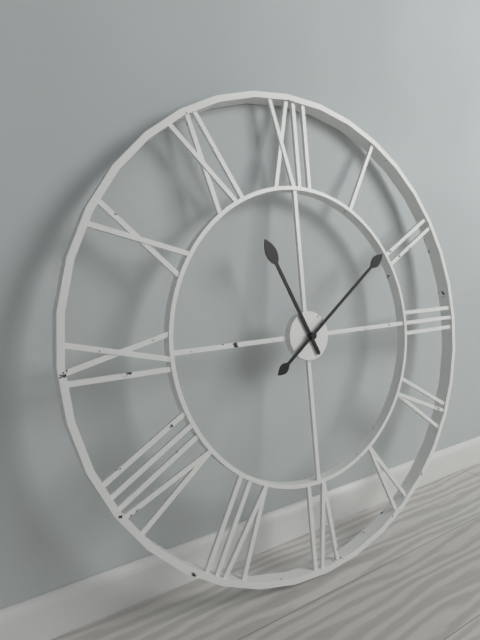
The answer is 11h09
